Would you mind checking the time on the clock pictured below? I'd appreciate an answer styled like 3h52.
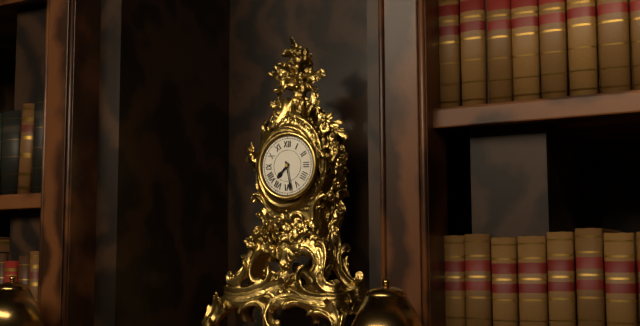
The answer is 7h28
